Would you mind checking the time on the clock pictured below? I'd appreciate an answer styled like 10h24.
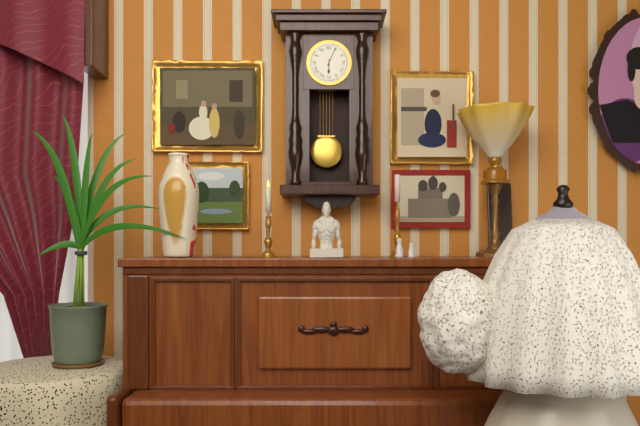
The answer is 6h04
